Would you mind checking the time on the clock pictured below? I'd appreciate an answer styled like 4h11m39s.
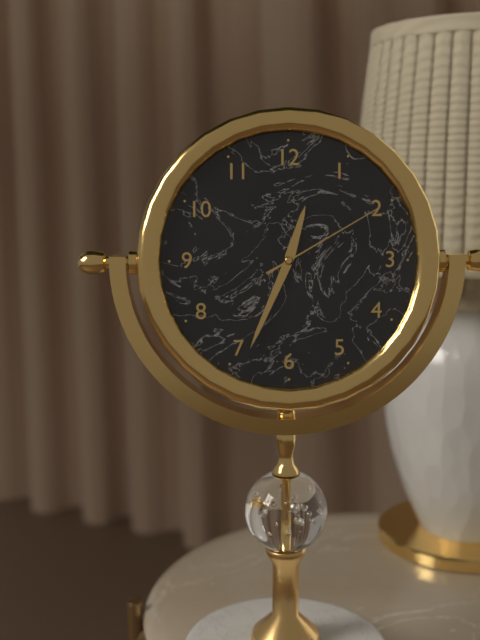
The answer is 12h34m10s
